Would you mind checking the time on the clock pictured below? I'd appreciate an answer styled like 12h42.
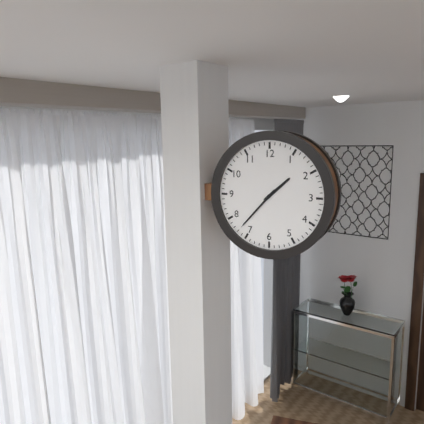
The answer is 1h37
